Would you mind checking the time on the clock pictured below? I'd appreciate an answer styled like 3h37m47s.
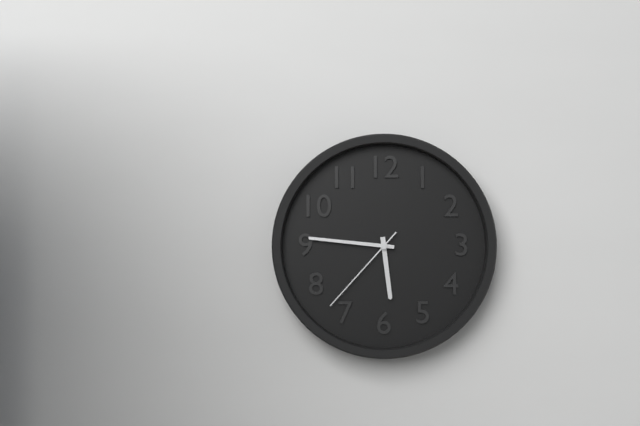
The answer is 5h46m37s
